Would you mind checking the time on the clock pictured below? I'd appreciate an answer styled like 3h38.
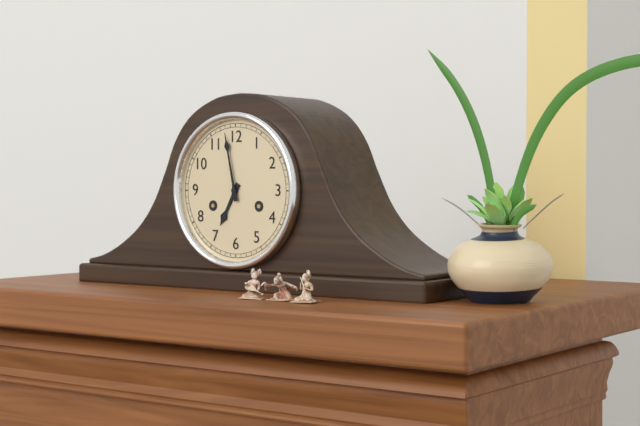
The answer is 6h58
